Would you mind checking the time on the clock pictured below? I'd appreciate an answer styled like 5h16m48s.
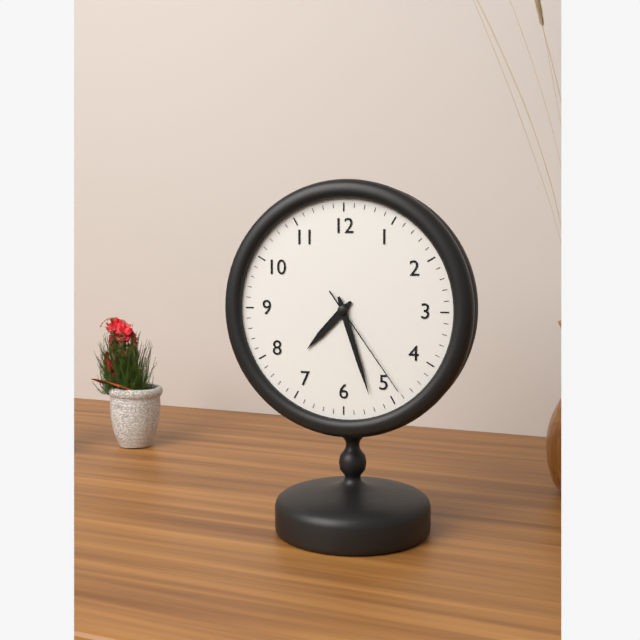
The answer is 7h27m24s
